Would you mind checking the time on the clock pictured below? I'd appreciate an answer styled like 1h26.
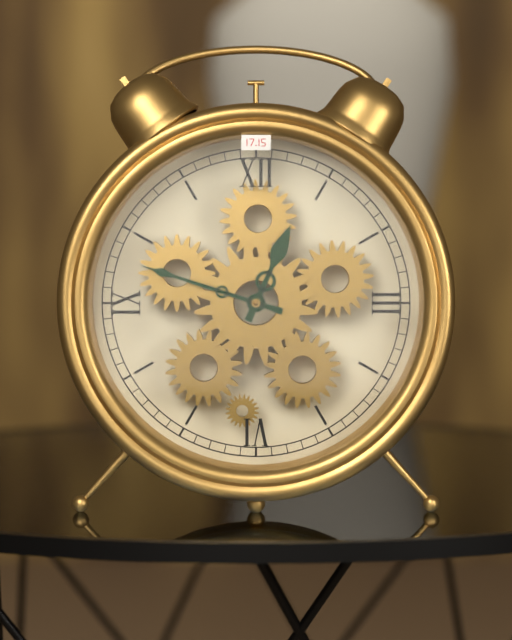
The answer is 12h48
